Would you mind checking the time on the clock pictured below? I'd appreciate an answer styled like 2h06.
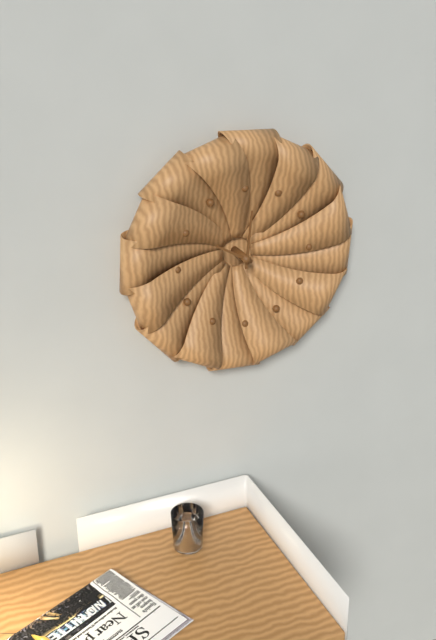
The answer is 10h01
